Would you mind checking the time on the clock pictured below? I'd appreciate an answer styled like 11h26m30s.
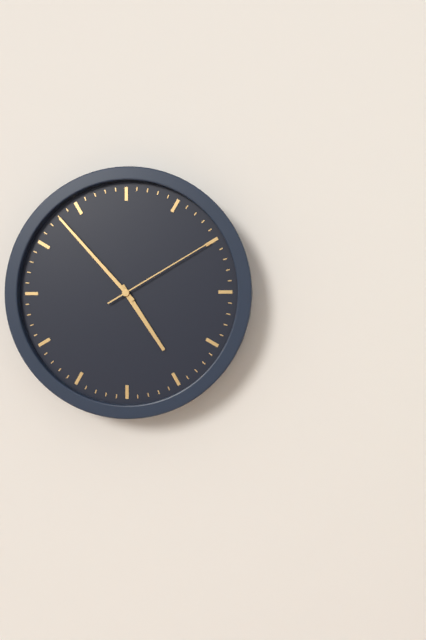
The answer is 4h53m10s
